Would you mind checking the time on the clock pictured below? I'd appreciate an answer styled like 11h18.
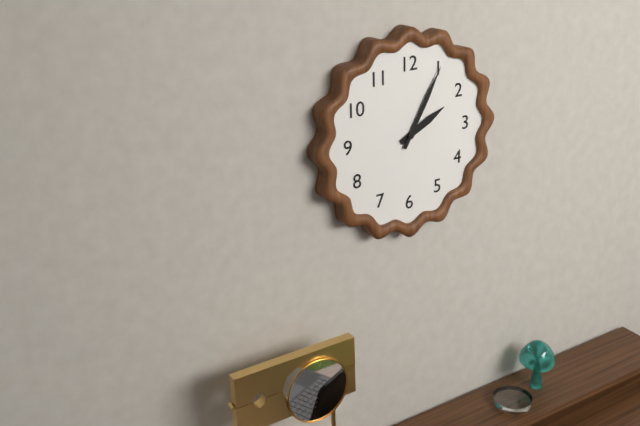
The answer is 2h05
